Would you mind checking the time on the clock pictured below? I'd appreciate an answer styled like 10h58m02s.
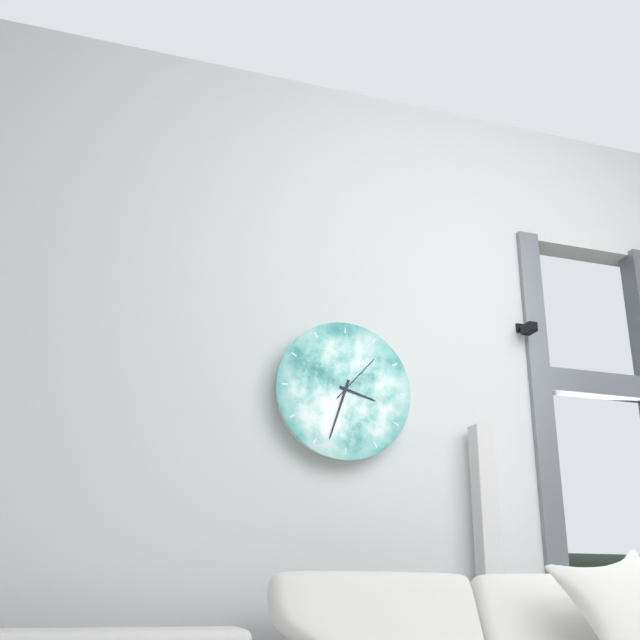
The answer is 3h33m07s
